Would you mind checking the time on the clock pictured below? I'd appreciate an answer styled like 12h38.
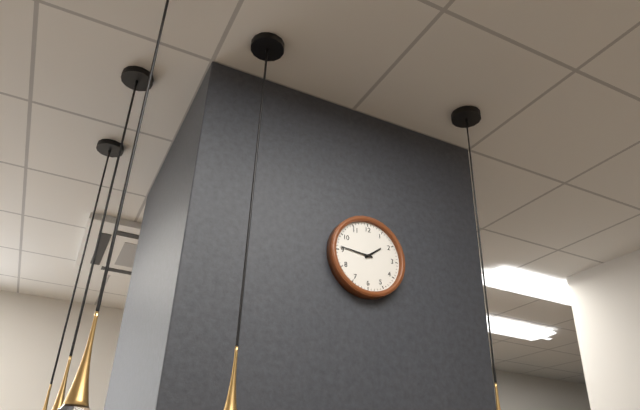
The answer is 1h46
